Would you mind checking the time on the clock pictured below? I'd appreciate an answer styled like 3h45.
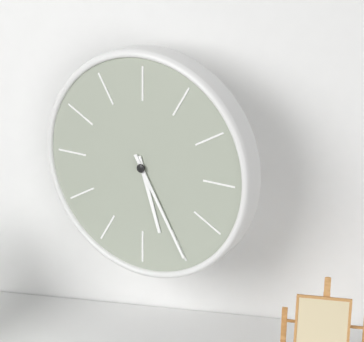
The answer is 5h25
